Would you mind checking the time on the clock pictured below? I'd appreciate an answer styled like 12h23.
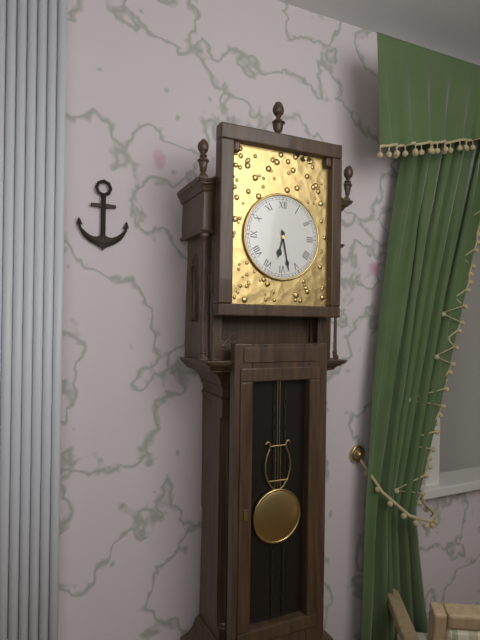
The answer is 6h28
